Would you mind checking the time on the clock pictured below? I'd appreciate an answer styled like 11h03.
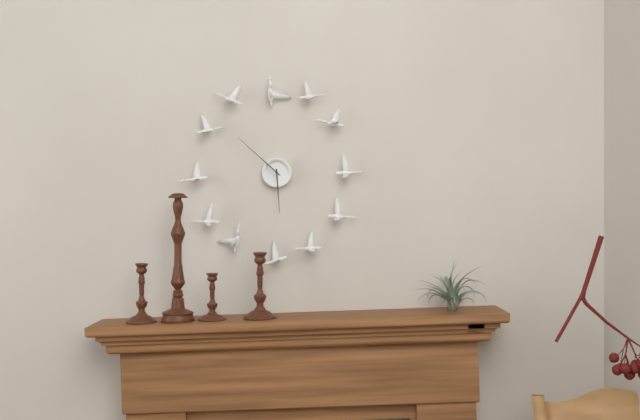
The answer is 5h52
